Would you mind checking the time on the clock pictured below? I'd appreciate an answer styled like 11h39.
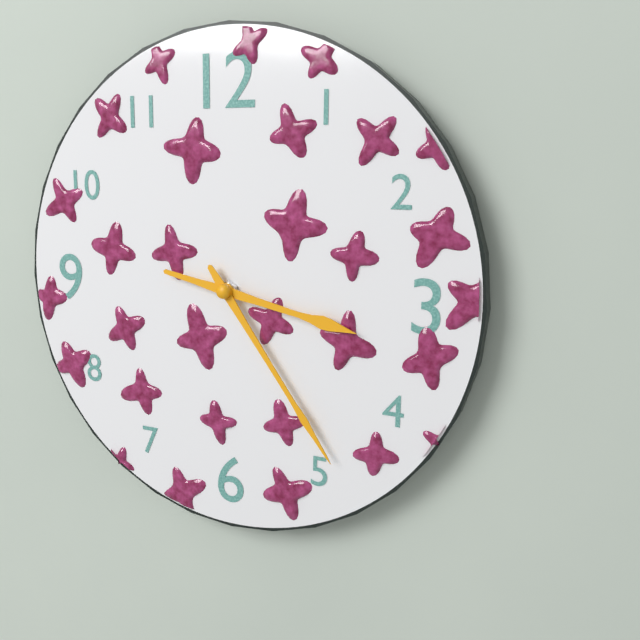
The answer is 3h24
